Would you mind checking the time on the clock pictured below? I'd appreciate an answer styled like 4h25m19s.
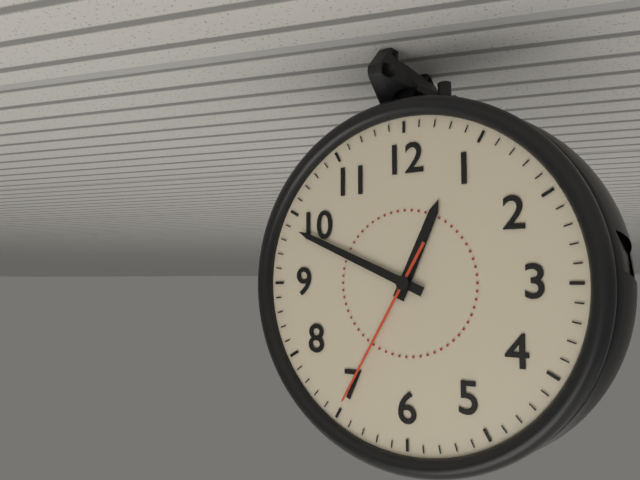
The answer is 12h49m35s
